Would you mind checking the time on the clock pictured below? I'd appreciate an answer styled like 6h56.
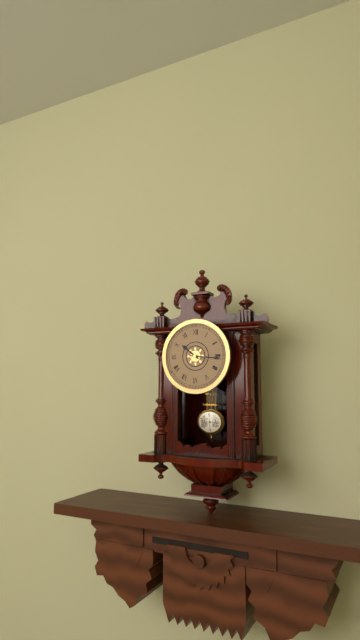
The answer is 10h16
